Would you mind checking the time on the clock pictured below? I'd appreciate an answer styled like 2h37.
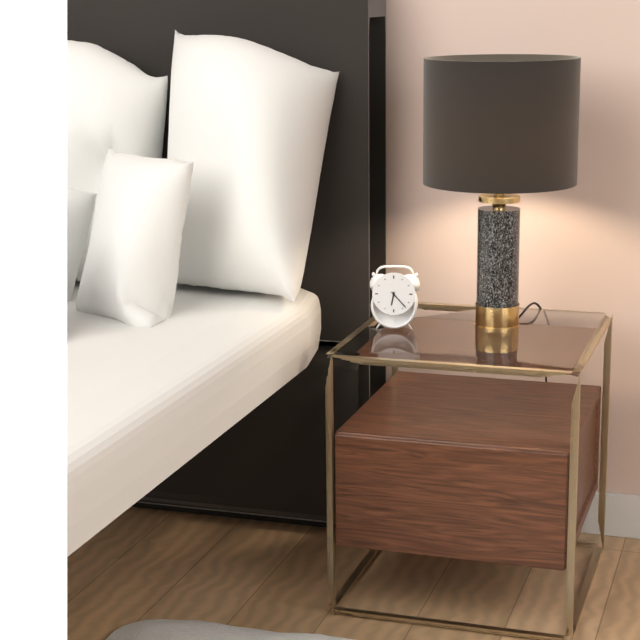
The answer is 6h23
